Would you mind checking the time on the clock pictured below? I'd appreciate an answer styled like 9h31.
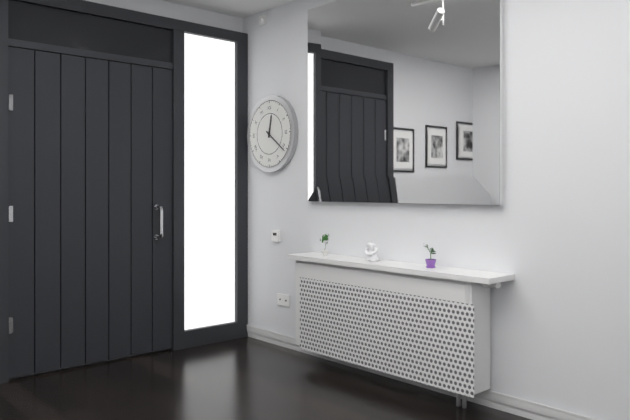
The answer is 12h21
